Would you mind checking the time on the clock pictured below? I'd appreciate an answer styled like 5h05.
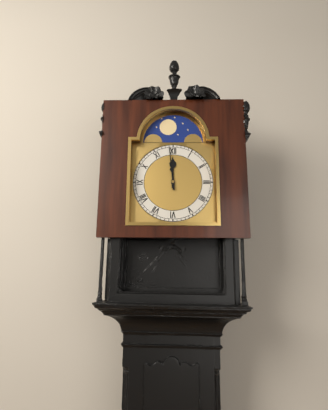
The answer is 11h59
